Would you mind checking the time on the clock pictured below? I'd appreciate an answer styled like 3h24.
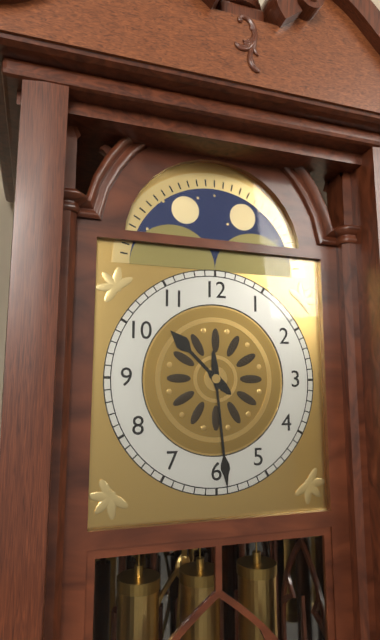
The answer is 10h29
